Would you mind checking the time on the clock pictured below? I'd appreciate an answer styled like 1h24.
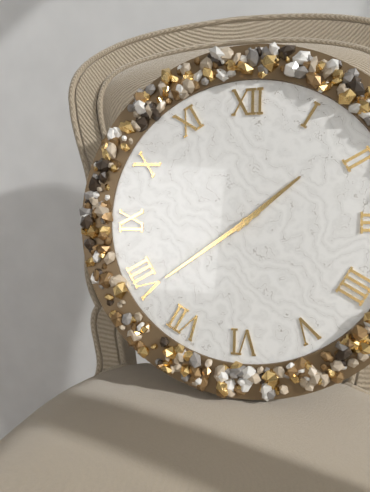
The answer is 1h39
